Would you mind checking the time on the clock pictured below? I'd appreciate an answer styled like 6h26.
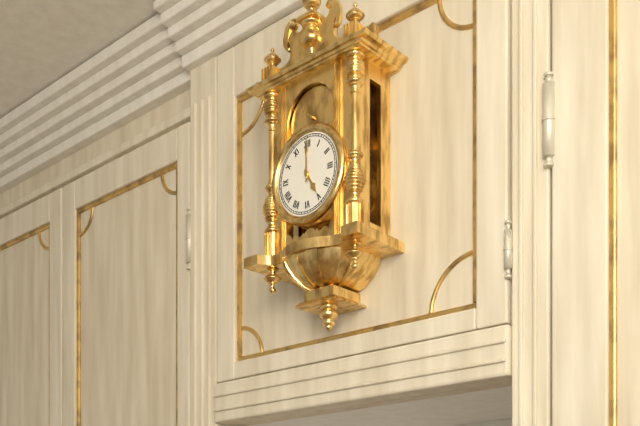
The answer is 5h00
